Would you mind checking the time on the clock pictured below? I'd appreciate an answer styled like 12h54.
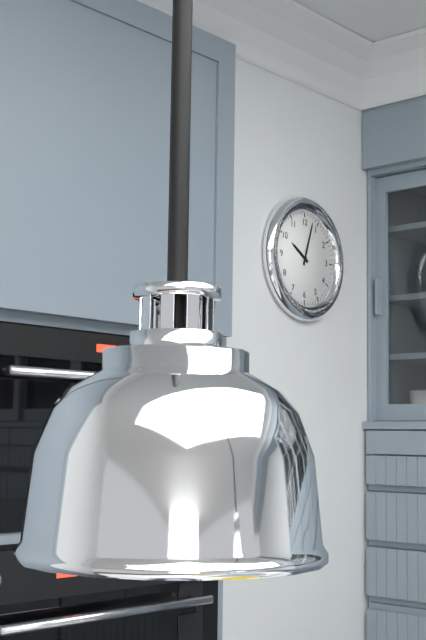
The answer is 10h03
